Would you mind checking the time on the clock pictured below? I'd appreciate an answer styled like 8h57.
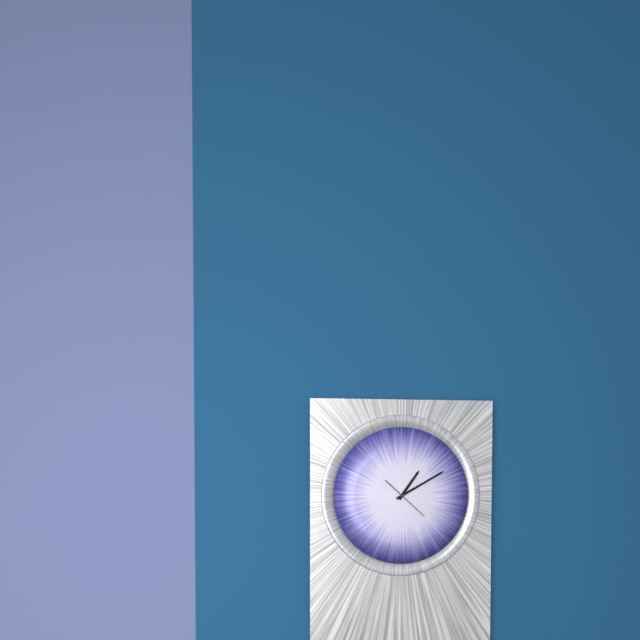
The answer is 1h10
